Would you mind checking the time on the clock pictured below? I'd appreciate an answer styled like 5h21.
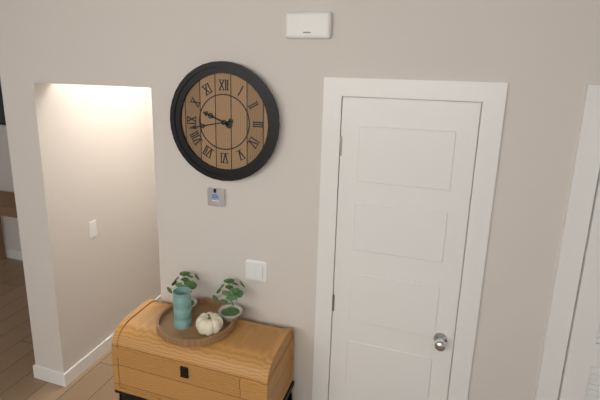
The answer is 9h43
